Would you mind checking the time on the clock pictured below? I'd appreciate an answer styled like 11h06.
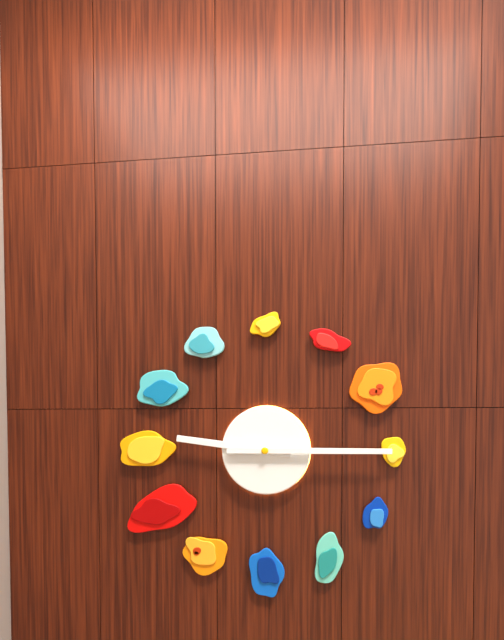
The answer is 9h15
